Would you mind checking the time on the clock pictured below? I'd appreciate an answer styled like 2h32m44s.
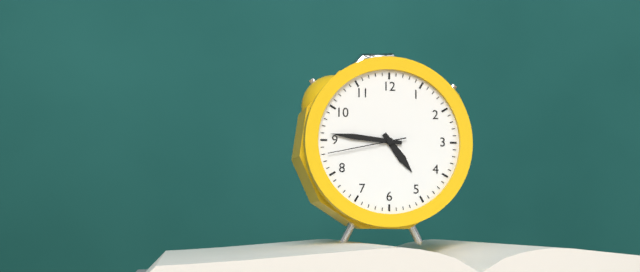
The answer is 4h46m43s
